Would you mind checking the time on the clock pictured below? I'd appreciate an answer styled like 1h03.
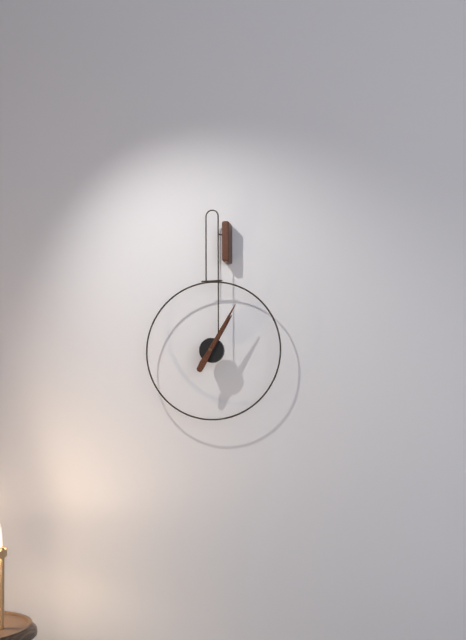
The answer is 1h05
